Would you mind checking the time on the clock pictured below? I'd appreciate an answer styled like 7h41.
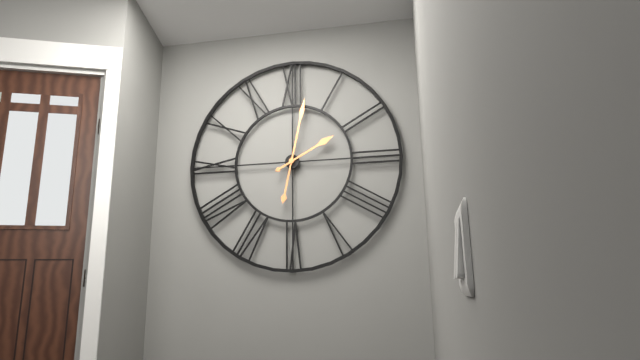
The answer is 2h02
